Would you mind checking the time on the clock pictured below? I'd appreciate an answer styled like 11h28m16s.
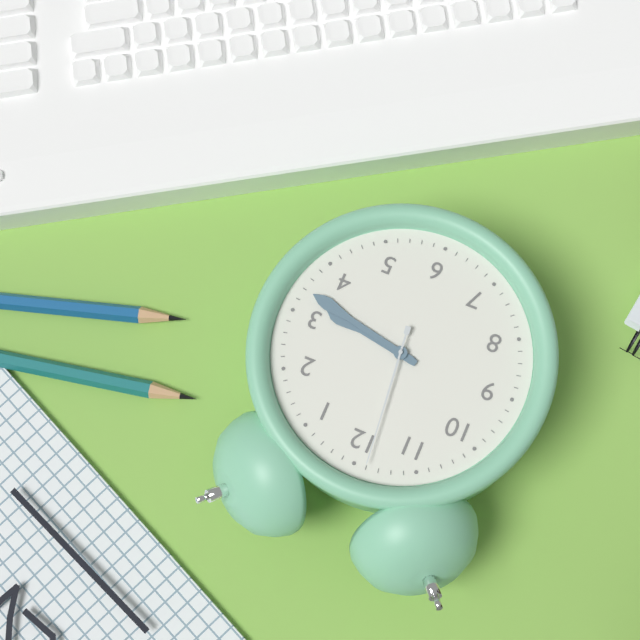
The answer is 3h17m59s
